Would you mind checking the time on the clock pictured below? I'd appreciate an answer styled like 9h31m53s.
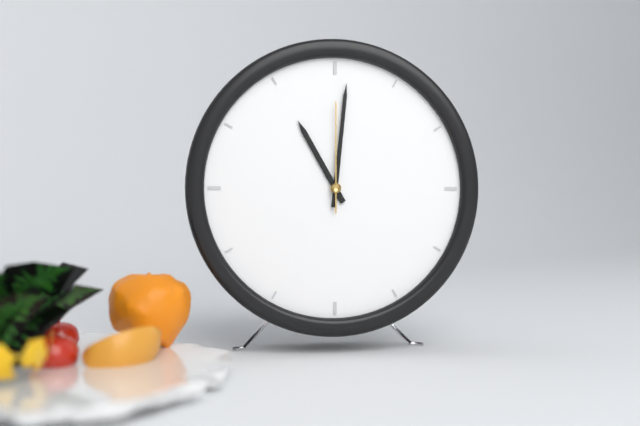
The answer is 11h01m00s
